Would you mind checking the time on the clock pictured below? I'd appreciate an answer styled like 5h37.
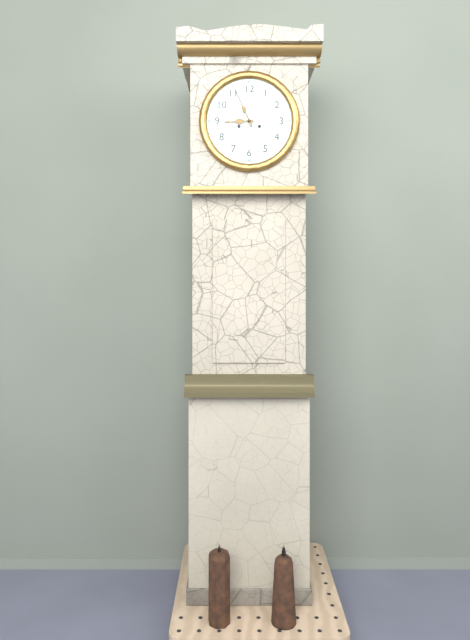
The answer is 8h56
